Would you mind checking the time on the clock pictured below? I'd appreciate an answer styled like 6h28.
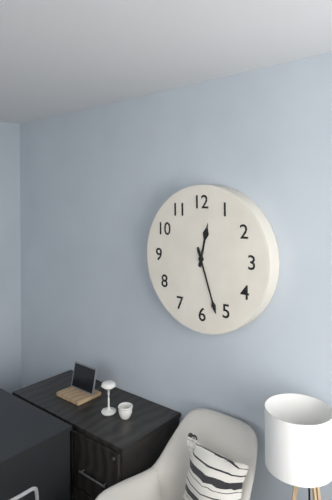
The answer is 12h27
